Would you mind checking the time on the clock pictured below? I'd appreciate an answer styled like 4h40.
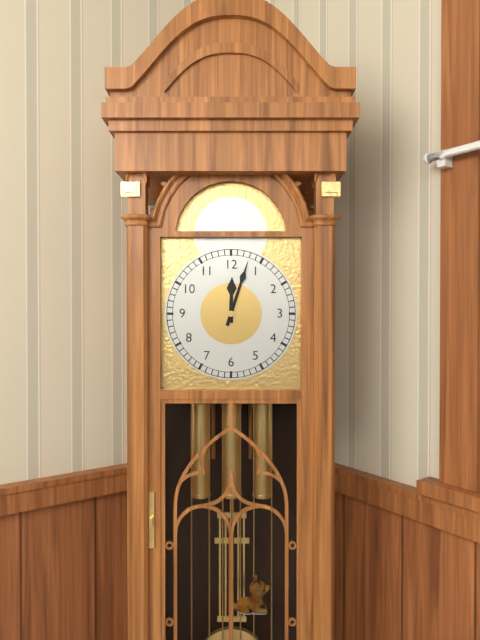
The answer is 12h03
